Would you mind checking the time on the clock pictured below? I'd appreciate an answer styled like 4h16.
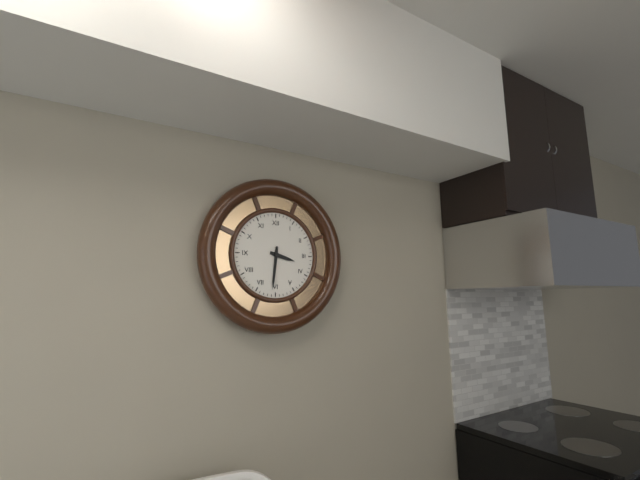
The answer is 3h31
